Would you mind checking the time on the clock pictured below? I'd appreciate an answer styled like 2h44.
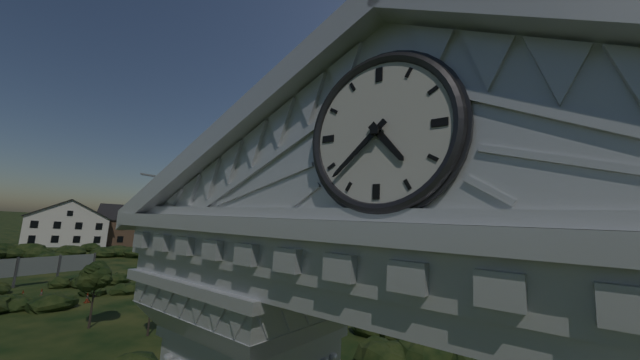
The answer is 4h38
